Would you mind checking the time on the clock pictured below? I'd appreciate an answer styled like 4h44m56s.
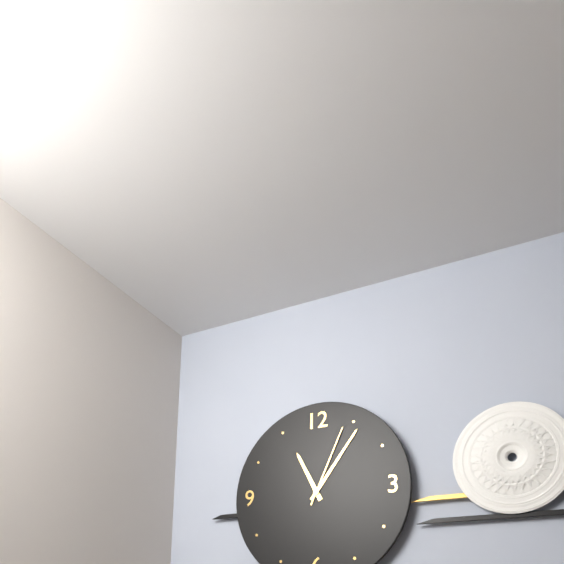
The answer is 11h06m04s
